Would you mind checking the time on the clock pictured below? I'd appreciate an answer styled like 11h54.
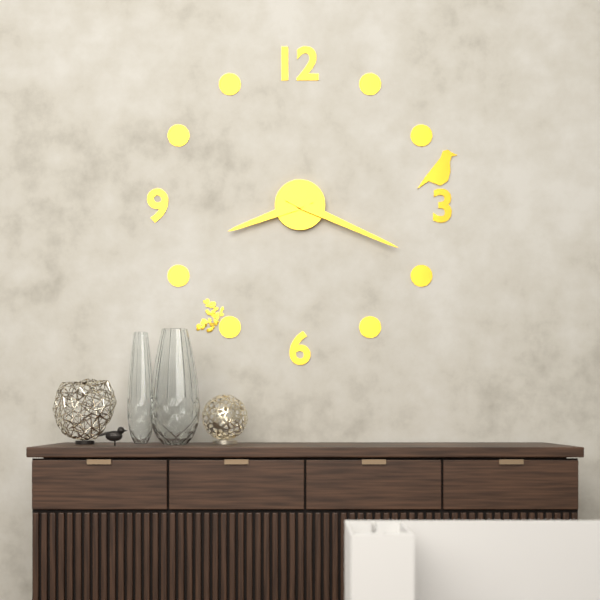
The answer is 8h19
